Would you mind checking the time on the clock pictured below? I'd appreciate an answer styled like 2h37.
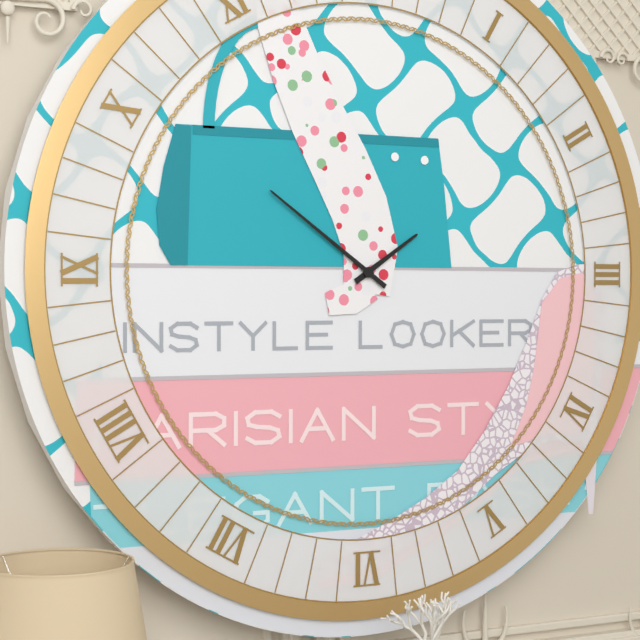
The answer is 1h51
